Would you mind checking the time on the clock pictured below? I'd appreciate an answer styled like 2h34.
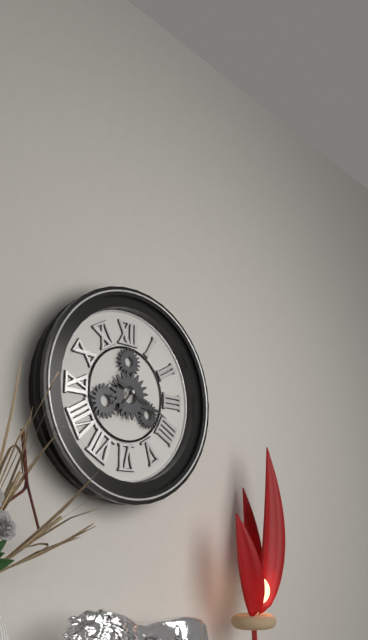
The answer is 7h19
